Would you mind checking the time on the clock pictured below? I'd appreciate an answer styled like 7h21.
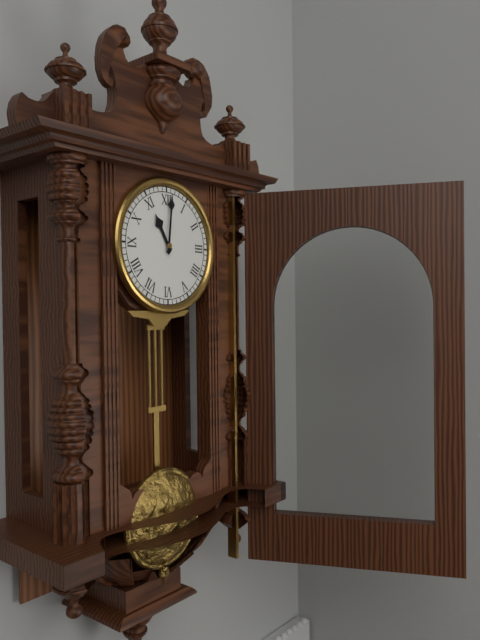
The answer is 11h01
